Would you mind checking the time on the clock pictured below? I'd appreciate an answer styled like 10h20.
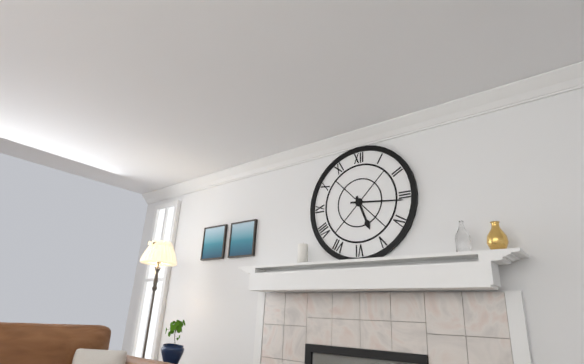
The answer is 5h16
